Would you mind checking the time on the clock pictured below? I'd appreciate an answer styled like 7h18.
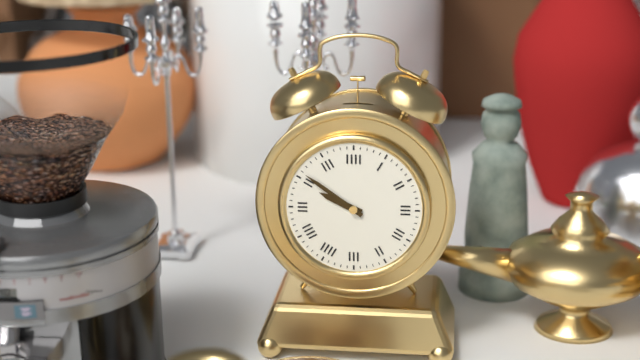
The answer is 9h51
